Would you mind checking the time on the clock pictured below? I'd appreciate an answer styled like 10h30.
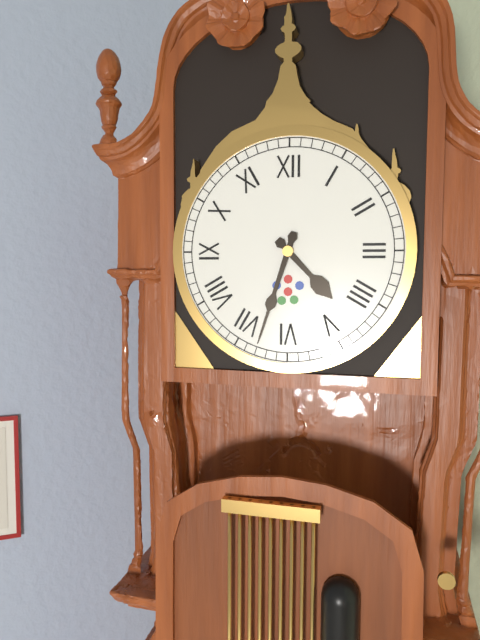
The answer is 4h33
